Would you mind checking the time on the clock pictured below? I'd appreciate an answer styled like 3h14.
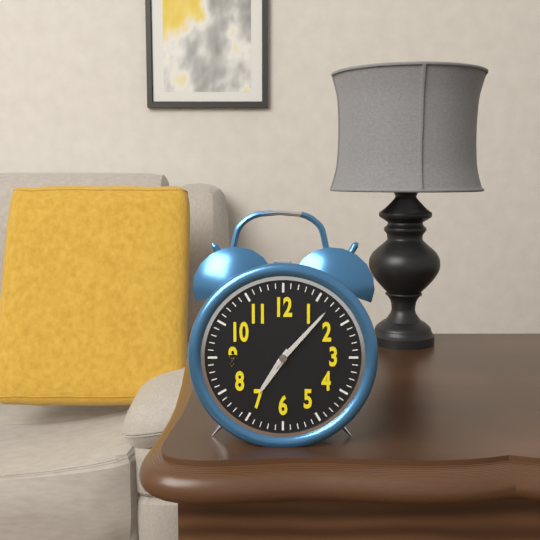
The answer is 7h07
